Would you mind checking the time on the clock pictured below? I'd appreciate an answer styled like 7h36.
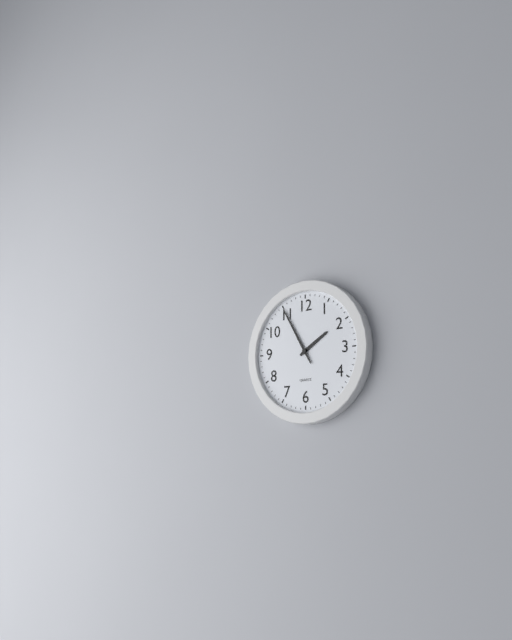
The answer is 1h55
